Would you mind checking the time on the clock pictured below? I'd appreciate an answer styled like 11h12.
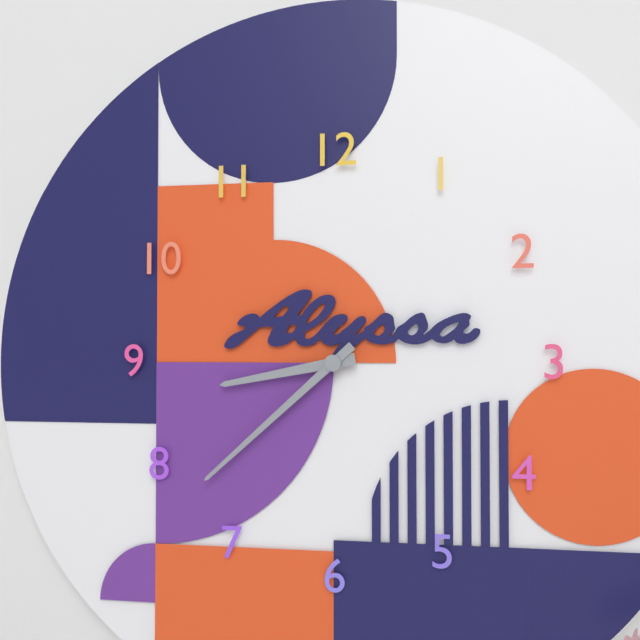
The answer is 8h38
